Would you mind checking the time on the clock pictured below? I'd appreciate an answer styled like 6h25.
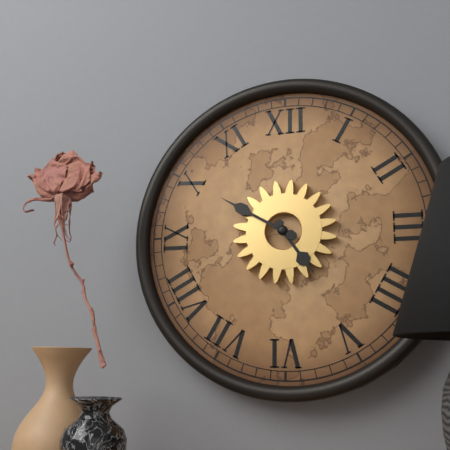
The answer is 4h50
